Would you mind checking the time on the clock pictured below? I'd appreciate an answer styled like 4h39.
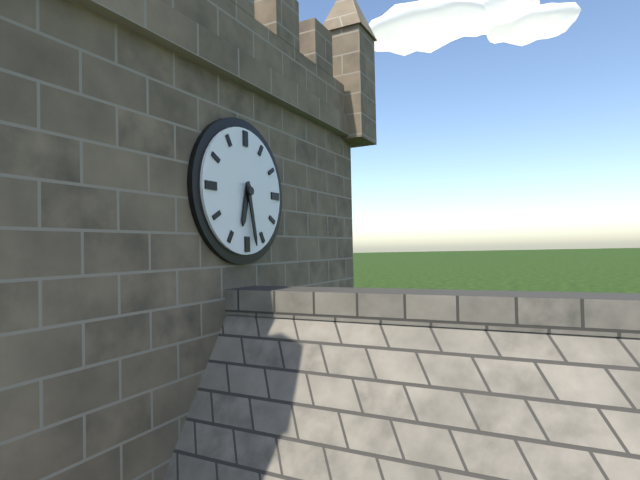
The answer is 6h28
